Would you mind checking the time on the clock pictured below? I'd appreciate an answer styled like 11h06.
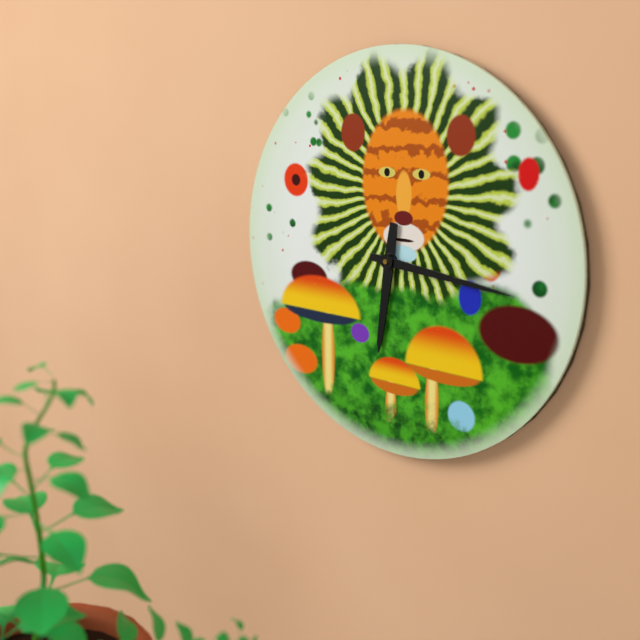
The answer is 6h16
